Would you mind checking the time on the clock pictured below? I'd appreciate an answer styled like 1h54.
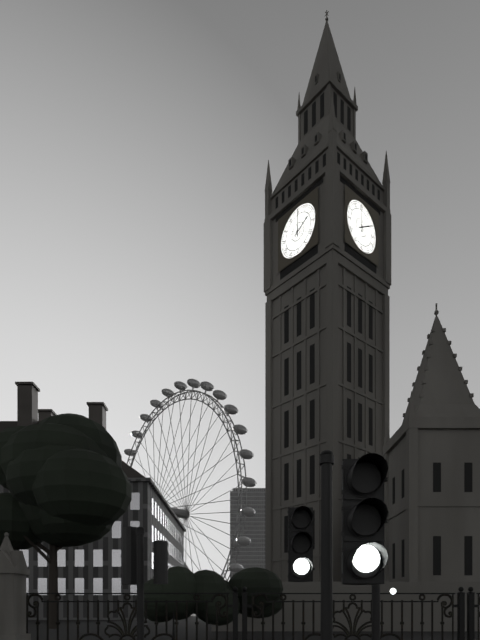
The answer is 2h00
